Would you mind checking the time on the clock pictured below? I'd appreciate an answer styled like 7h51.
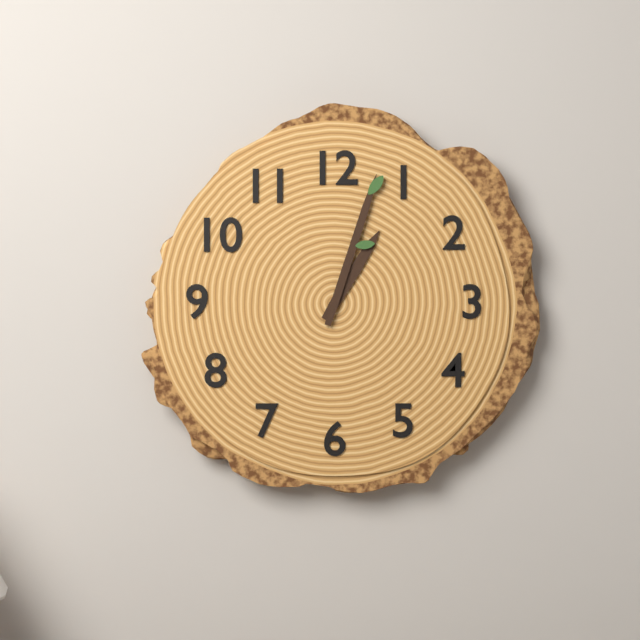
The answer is 1h03
